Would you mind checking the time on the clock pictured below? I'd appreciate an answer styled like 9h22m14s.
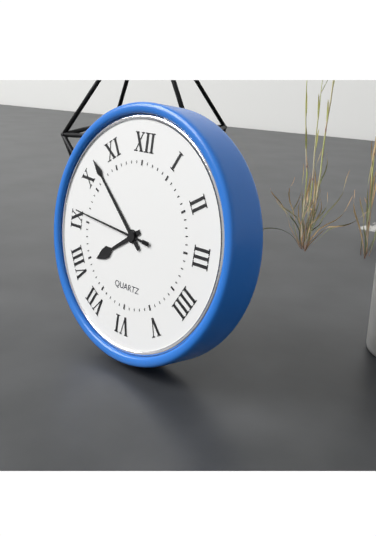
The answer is 7h52m46s
